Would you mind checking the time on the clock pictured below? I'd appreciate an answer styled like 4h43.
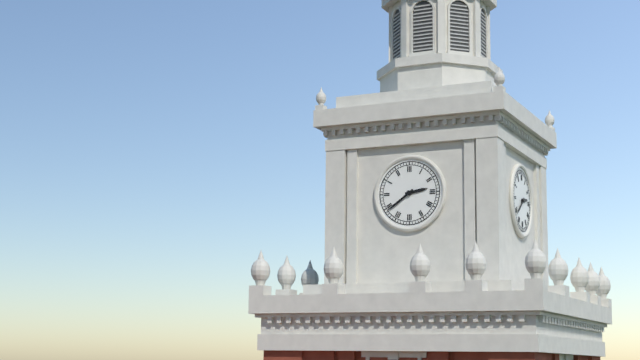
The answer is 2h39
